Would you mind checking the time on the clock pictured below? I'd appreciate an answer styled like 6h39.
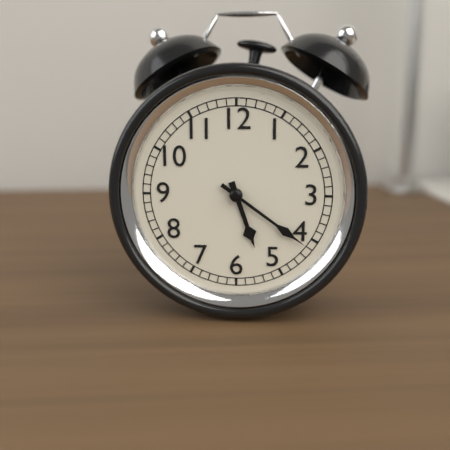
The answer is 5h21
